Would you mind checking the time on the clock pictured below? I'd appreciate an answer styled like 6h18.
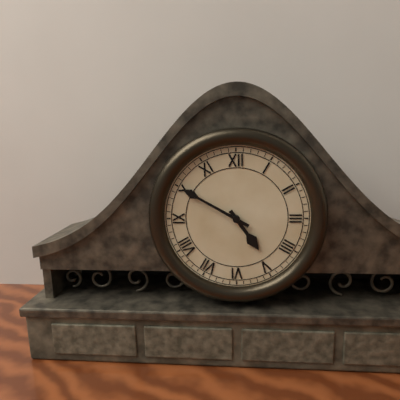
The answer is 4h50
